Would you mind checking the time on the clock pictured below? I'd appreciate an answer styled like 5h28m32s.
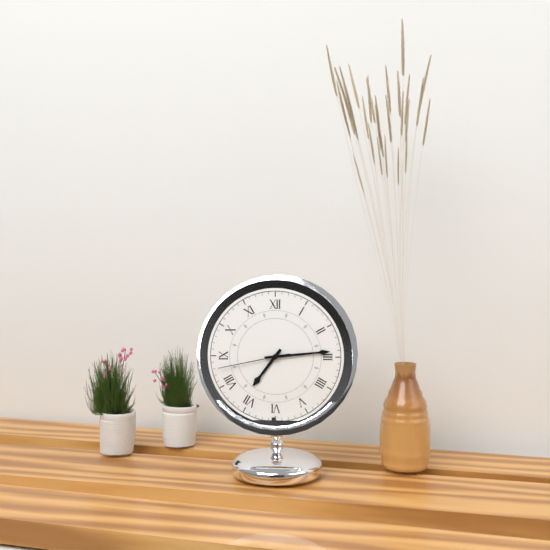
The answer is 7h14m43s
